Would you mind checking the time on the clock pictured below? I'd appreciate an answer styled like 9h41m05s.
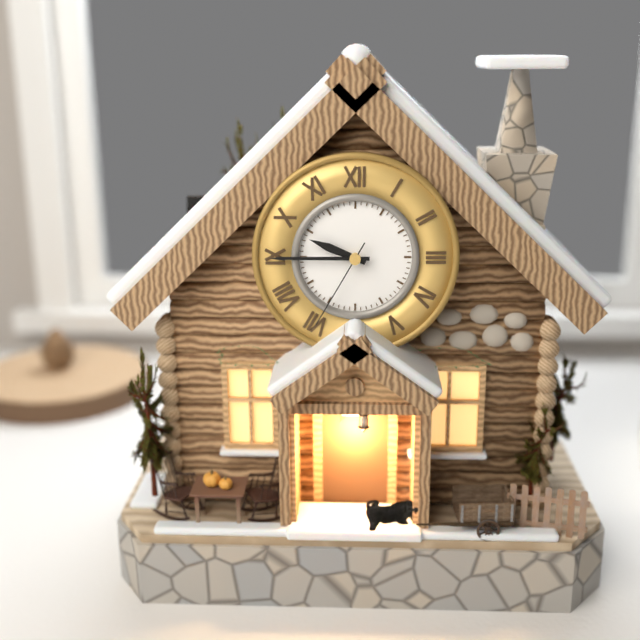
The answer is 9h45m35s
